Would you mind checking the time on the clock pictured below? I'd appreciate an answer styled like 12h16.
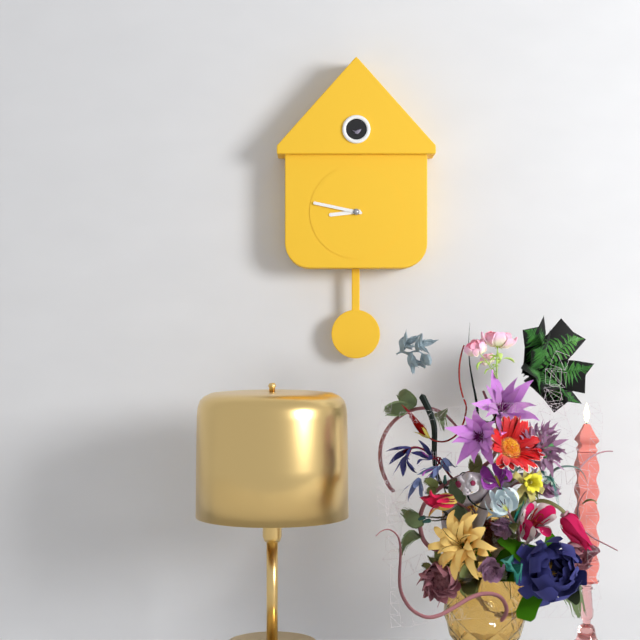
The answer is 8h47
